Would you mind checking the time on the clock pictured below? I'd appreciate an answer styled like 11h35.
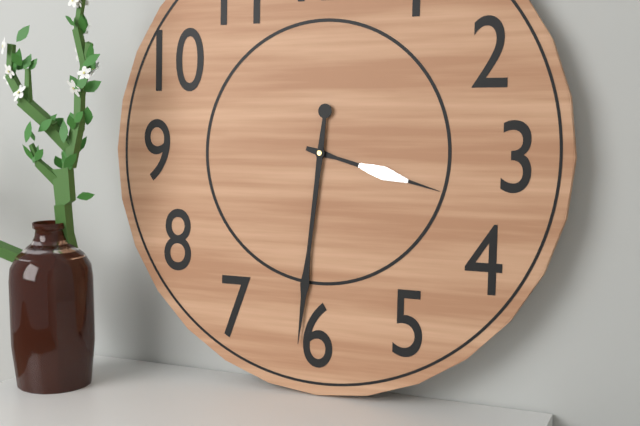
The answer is 3h31
